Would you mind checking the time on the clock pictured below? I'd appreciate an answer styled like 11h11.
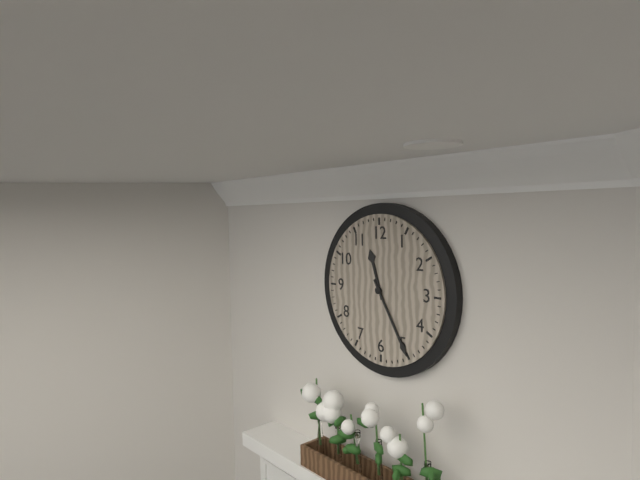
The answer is 11h25
